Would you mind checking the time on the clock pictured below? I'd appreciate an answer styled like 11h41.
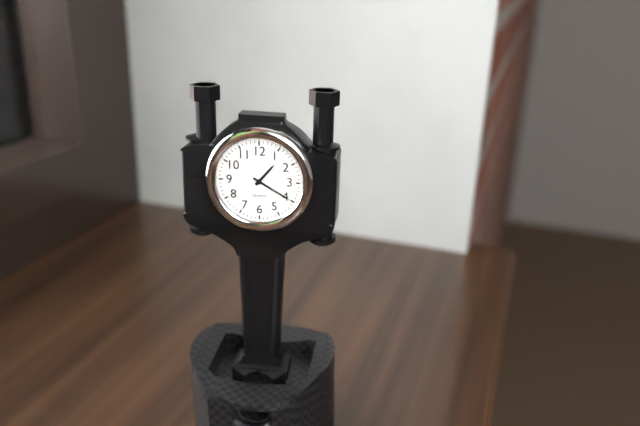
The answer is 1h20
